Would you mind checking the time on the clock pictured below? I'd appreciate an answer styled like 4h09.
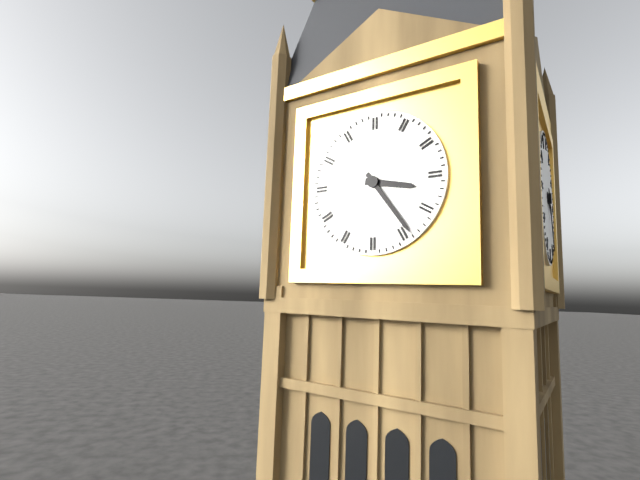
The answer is 3h24
